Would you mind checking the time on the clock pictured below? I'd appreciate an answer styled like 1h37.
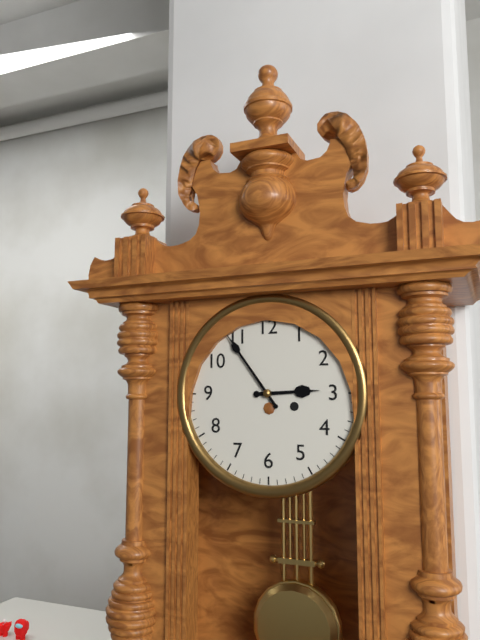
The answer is 2h54
